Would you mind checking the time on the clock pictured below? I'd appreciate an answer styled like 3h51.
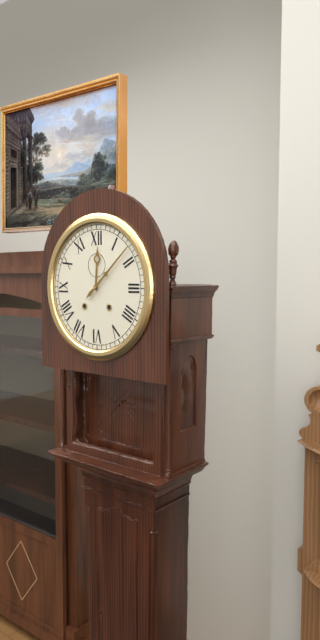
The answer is 12h08
